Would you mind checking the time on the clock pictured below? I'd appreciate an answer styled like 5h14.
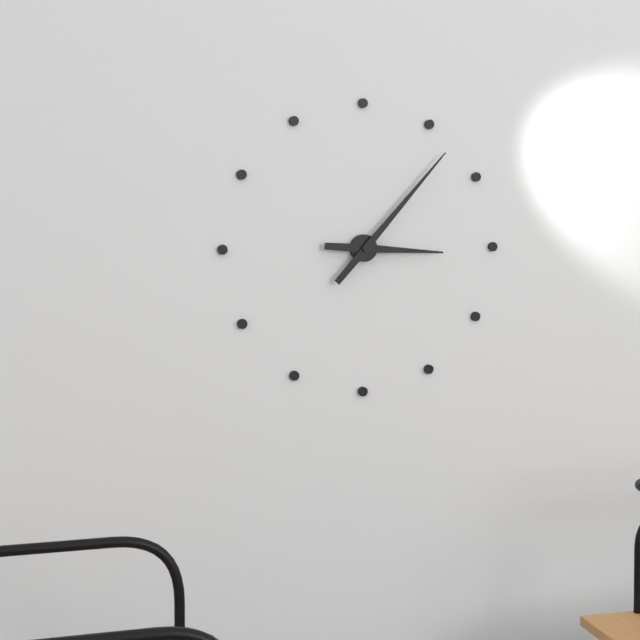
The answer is 3h07
